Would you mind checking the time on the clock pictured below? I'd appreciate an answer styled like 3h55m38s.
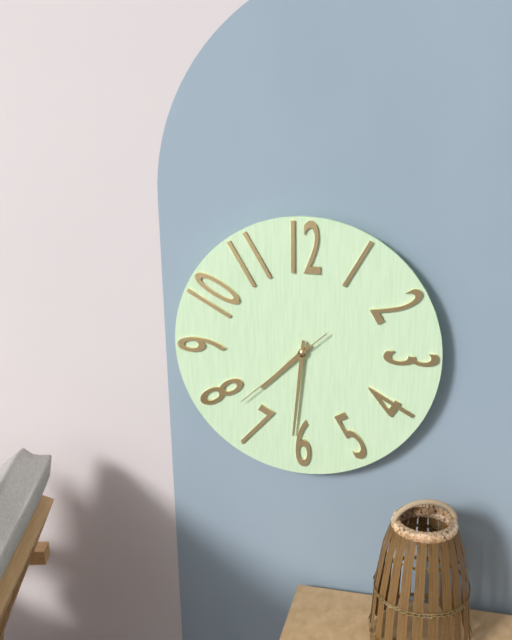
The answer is 7h31m38s
